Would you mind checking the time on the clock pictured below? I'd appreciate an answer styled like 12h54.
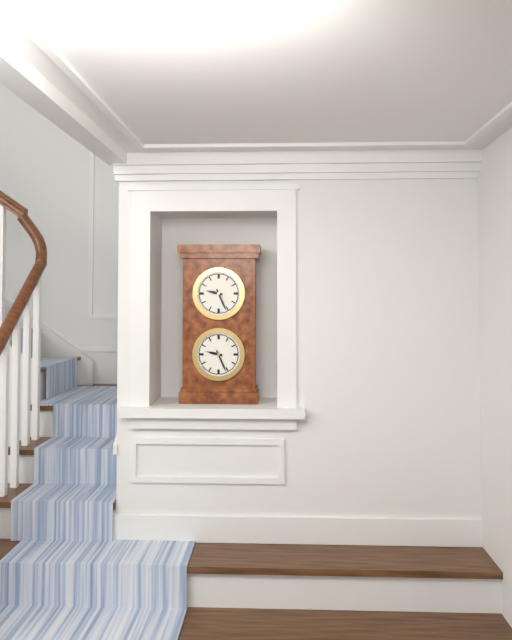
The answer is 9h26
